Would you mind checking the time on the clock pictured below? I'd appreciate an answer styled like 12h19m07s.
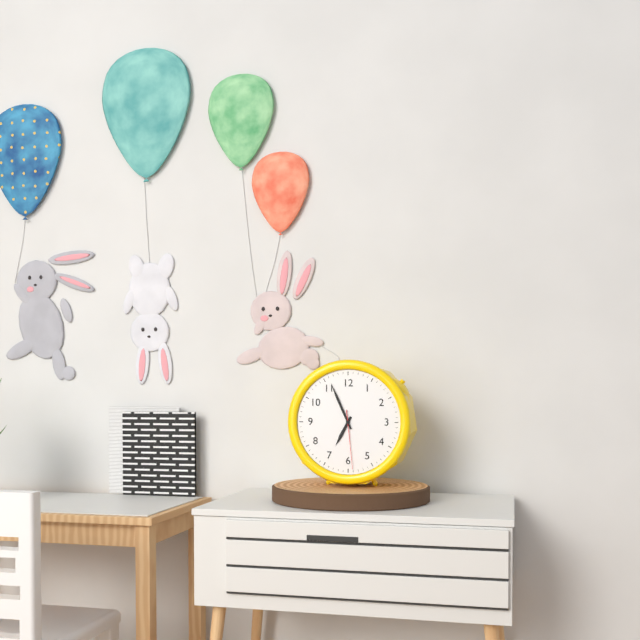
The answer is 6h56m29s
